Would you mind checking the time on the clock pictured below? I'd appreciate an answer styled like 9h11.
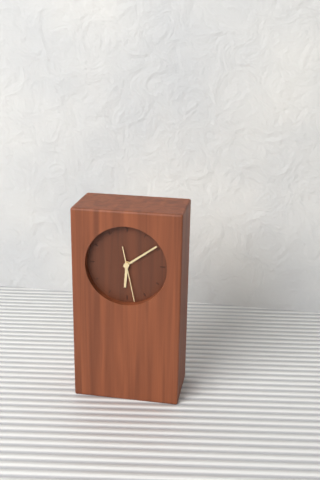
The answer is 6h09
